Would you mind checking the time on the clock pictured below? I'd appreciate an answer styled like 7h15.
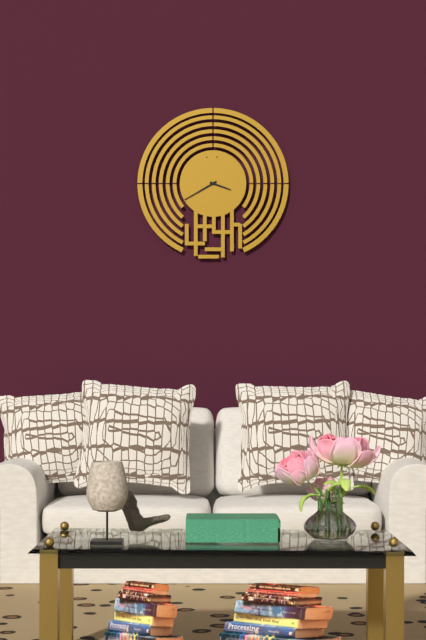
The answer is 3h40
